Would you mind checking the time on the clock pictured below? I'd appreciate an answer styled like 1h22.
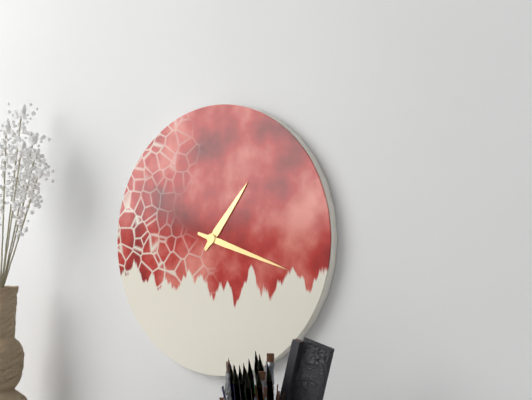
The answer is 1h18
